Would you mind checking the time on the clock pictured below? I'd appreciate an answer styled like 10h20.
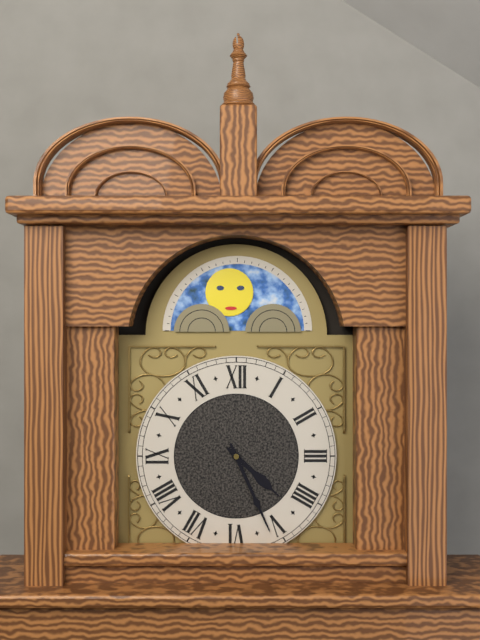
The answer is 4h26
